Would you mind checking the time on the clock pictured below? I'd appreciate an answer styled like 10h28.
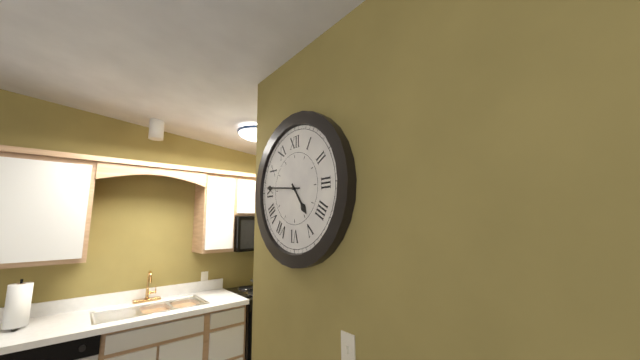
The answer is 4h46
